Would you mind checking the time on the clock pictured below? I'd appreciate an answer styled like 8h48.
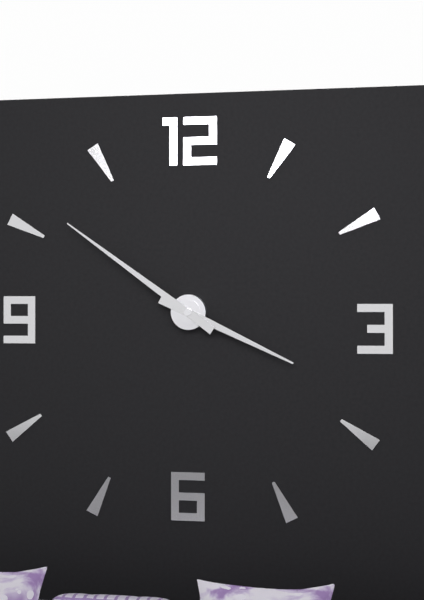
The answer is 3h51
